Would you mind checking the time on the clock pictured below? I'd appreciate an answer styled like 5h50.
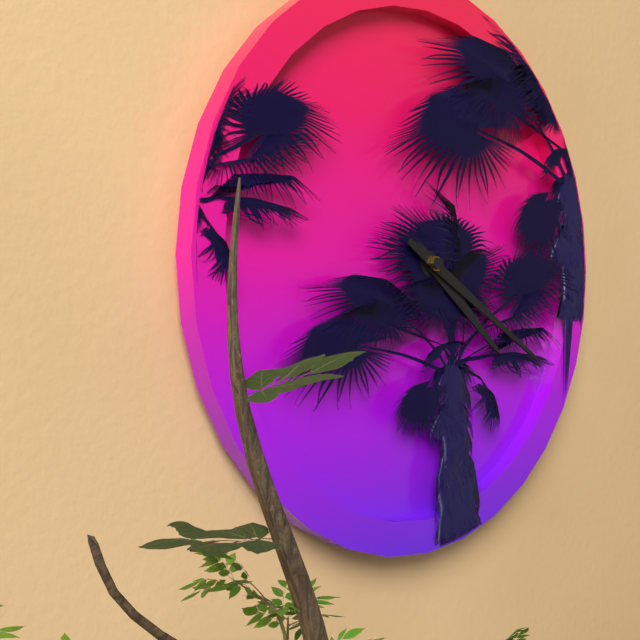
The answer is 4h20
